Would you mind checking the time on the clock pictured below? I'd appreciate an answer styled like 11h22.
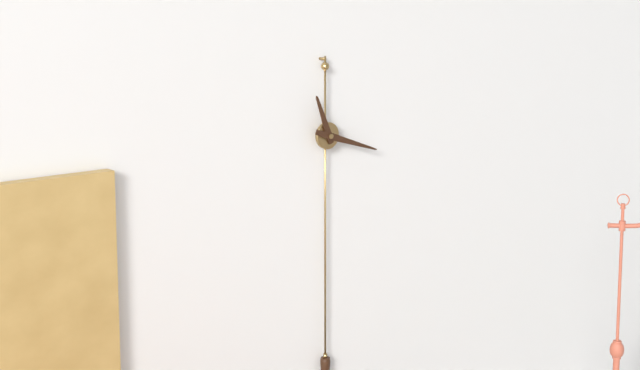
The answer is 11h18
